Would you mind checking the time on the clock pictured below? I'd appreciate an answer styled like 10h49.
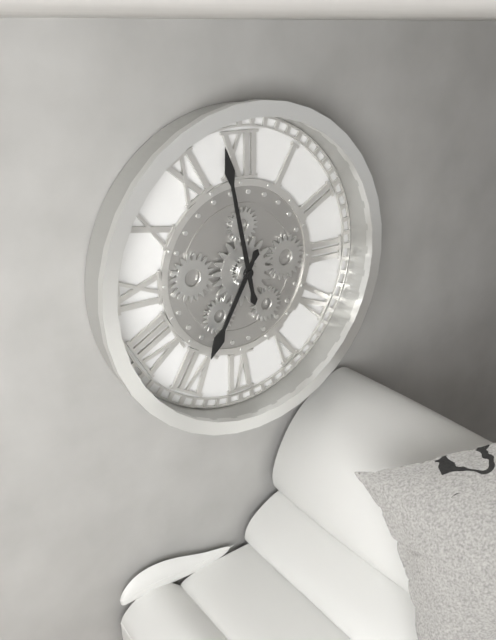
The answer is 6h58
